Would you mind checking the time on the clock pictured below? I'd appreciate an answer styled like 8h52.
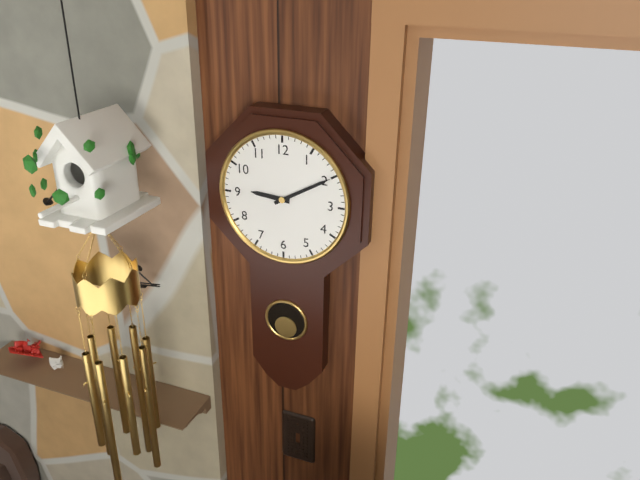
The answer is 9h10
